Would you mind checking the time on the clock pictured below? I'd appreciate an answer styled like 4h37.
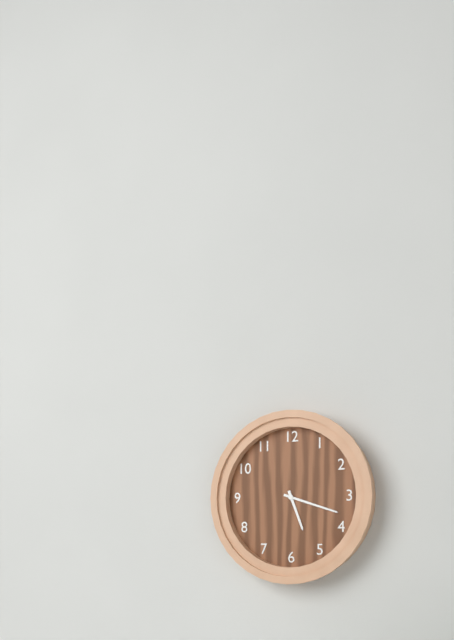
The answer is 5h18
